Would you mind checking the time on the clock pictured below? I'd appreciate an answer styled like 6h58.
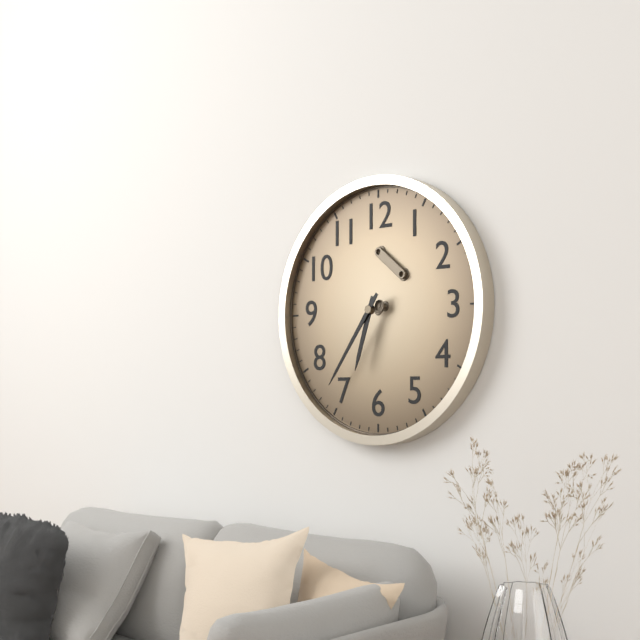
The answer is 6h36
